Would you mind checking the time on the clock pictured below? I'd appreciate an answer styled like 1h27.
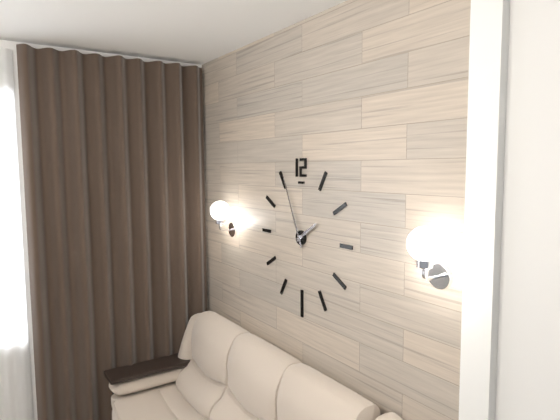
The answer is 1h56
